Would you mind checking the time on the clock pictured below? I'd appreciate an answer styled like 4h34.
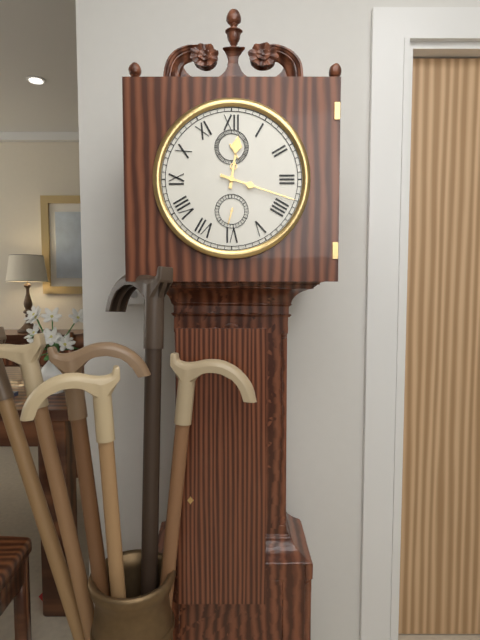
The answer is 12h18
